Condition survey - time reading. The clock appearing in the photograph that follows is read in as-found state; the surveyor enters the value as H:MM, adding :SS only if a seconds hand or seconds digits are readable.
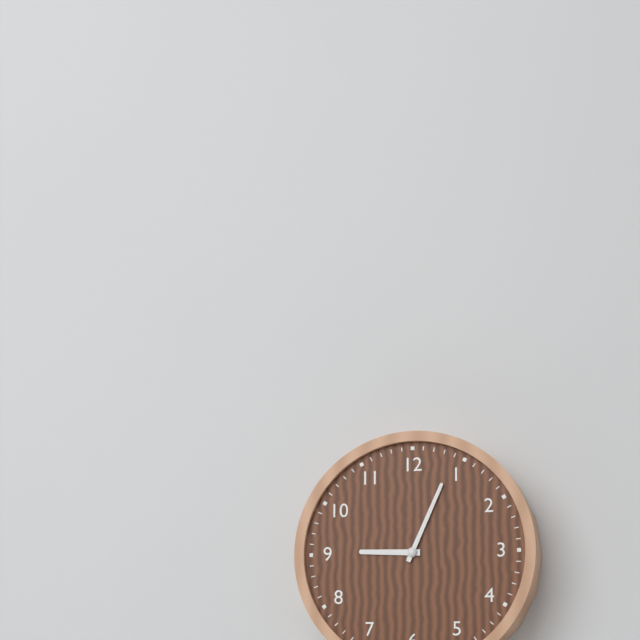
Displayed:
9:04
